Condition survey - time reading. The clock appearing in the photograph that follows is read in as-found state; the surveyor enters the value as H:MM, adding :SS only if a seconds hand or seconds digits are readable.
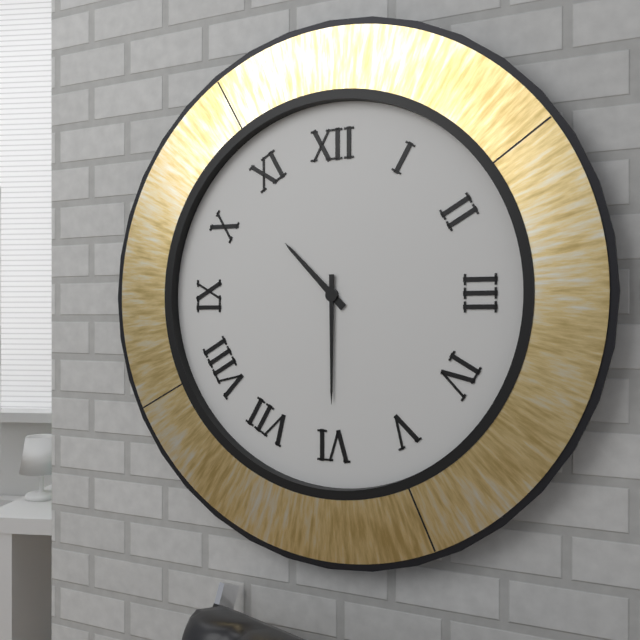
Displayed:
10:30
